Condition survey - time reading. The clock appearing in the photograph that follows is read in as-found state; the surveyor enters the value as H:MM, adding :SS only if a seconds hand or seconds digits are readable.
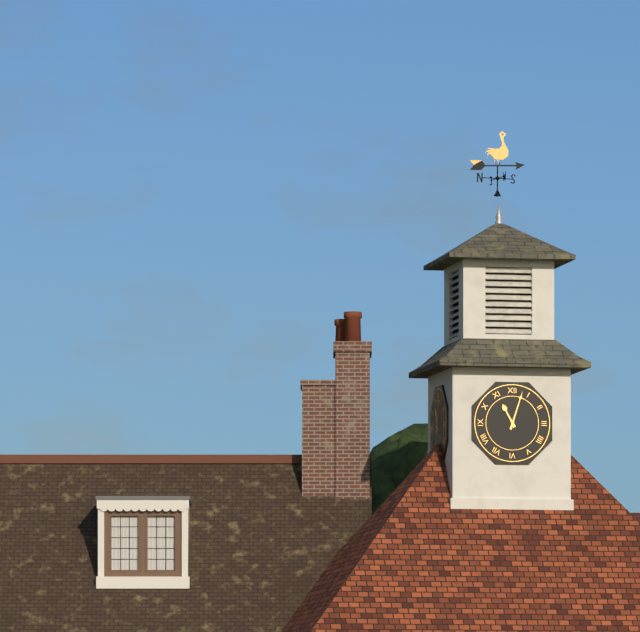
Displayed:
11:03
